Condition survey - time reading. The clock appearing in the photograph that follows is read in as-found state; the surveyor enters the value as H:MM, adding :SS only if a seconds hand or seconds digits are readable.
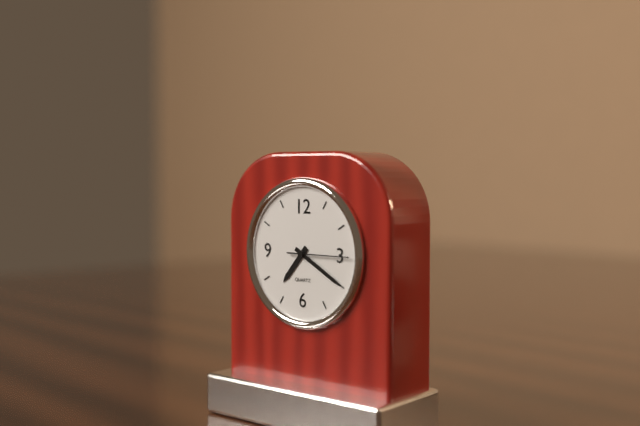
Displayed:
7:20:15
